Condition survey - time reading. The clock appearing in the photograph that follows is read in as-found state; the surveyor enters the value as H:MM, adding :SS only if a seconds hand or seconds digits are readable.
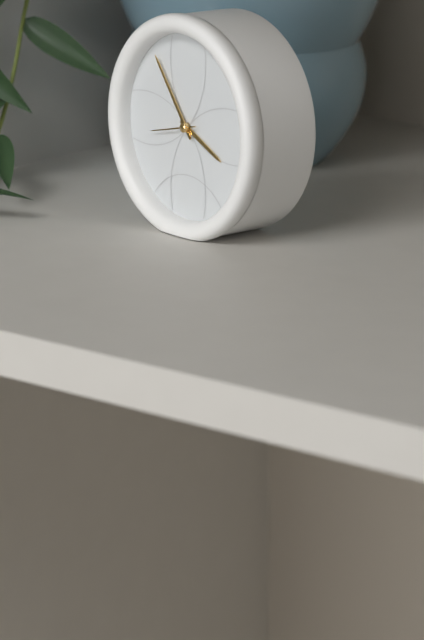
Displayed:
3:54
